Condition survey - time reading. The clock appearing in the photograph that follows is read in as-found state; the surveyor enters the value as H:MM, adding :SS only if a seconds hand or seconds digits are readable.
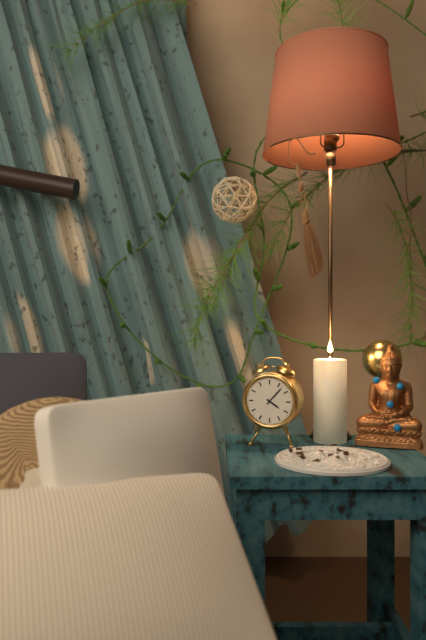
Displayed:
4:07
